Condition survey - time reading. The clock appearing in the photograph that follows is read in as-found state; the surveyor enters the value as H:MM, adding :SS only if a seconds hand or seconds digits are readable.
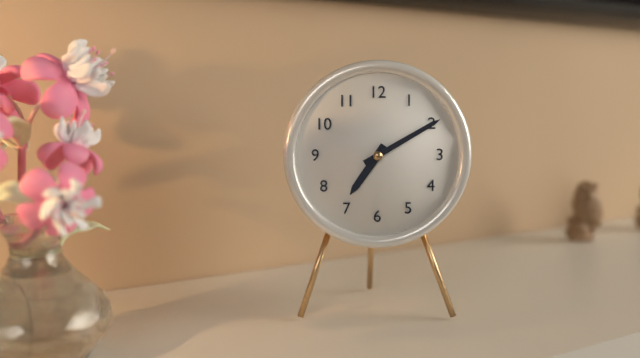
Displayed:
7:10
